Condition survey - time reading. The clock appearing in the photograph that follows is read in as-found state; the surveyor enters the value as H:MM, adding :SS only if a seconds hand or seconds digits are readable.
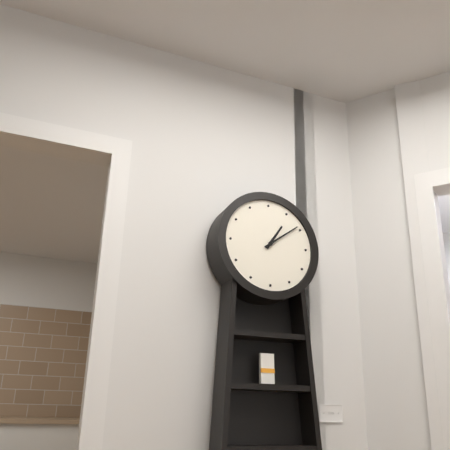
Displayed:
1:09
